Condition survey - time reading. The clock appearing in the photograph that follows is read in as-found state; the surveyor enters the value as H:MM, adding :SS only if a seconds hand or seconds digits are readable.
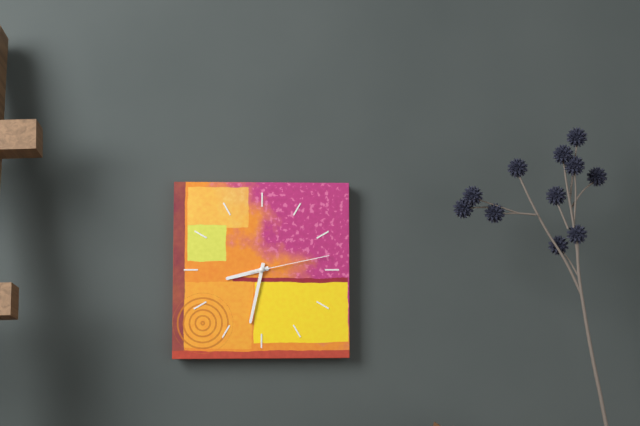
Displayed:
8:32:13
